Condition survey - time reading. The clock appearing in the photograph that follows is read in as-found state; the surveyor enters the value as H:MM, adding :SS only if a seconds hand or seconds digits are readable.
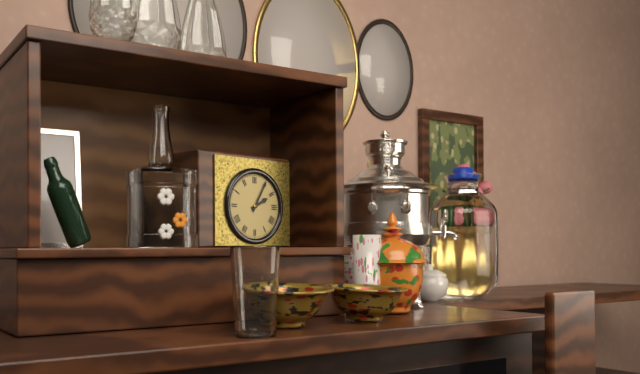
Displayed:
2:05
